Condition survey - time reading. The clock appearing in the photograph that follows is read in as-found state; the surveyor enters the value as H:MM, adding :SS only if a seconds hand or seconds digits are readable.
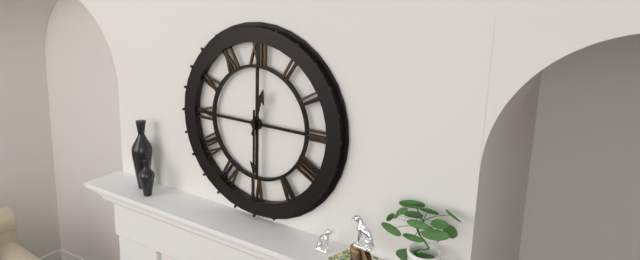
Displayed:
12:30
